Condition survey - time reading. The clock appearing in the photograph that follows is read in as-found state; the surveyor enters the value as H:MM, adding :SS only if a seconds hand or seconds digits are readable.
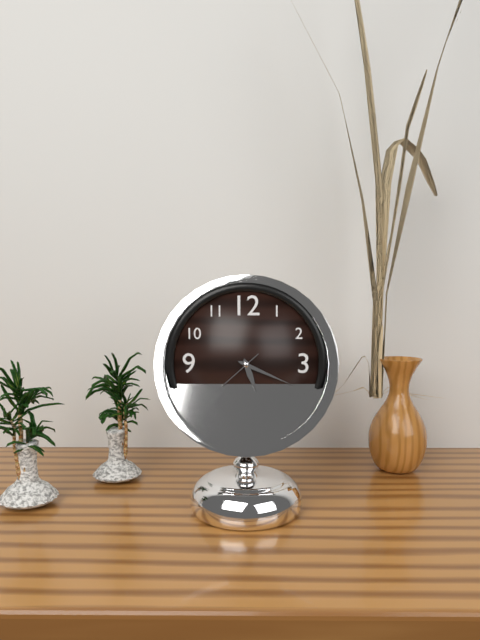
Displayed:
5:19:38
